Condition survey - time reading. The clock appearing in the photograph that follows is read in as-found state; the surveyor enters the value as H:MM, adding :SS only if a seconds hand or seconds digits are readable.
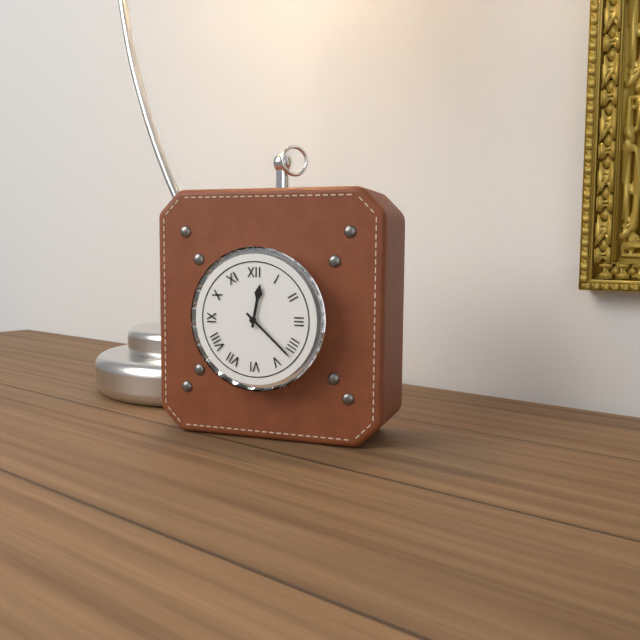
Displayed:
12:22
